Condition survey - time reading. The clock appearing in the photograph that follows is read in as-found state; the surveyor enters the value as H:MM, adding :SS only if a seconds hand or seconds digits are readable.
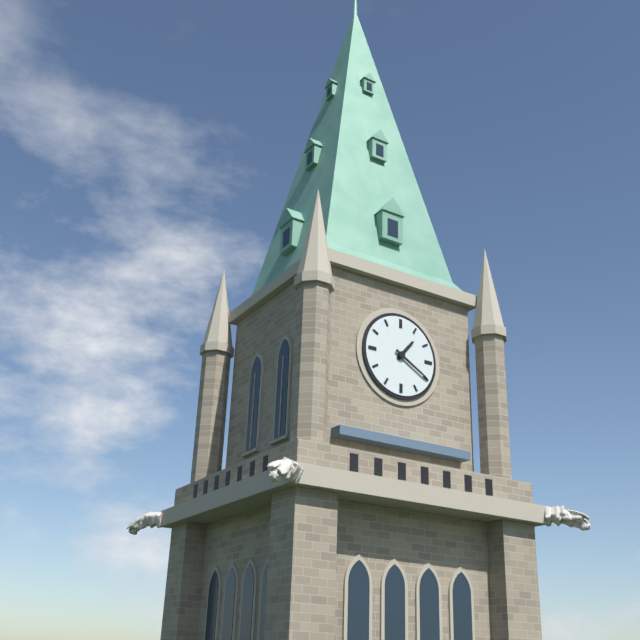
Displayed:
1:20
